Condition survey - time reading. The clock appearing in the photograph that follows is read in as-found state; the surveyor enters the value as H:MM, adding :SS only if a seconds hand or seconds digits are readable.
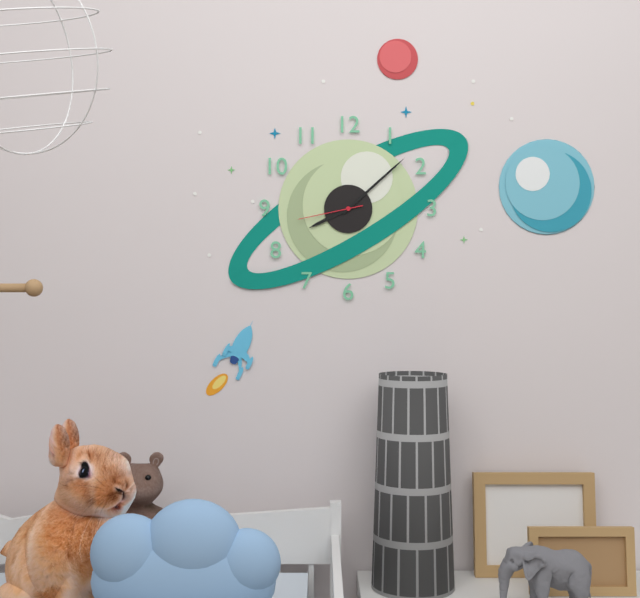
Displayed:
8:08:43
